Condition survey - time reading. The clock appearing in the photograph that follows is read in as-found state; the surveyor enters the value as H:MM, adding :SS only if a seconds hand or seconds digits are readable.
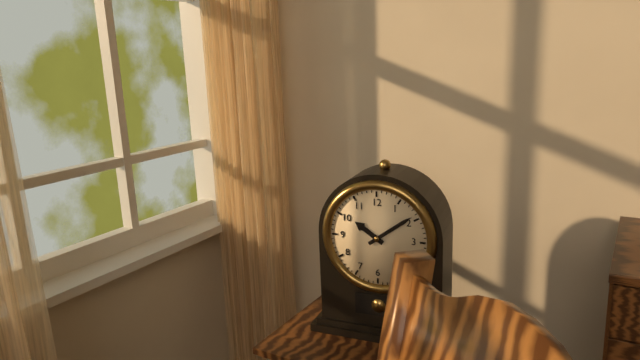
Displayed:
10:09
